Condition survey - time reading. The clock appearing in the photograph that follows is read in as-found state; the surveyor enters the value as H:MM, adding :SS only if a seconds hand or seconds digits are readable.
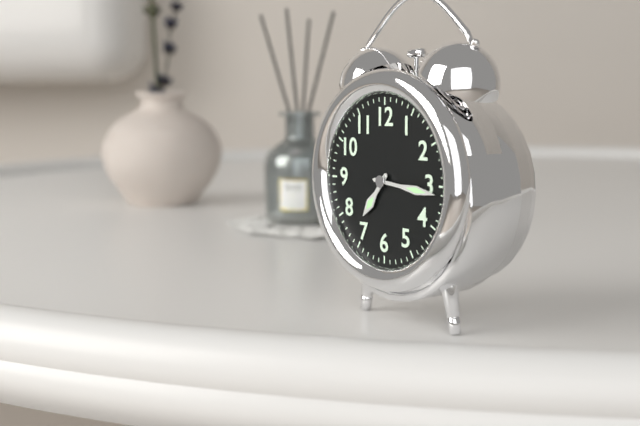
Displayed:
7:16
